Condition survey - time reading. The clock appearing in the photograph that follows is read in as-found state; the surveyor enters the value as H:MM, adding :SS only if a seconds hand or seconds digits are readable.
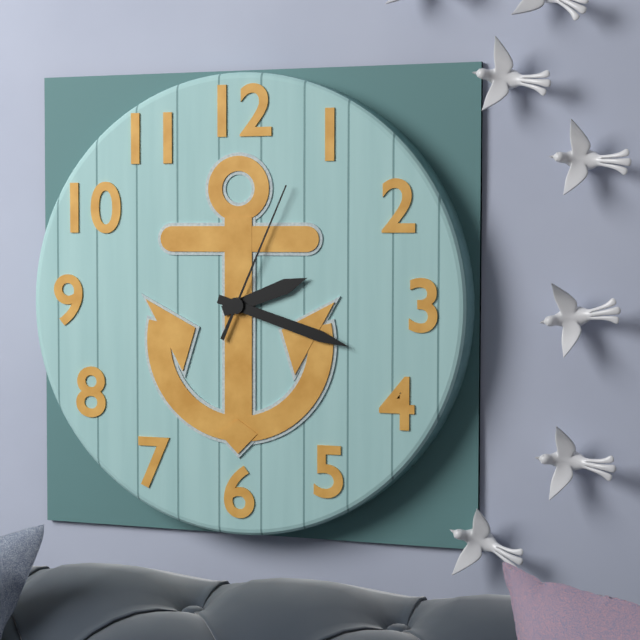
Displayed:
2:18:04
